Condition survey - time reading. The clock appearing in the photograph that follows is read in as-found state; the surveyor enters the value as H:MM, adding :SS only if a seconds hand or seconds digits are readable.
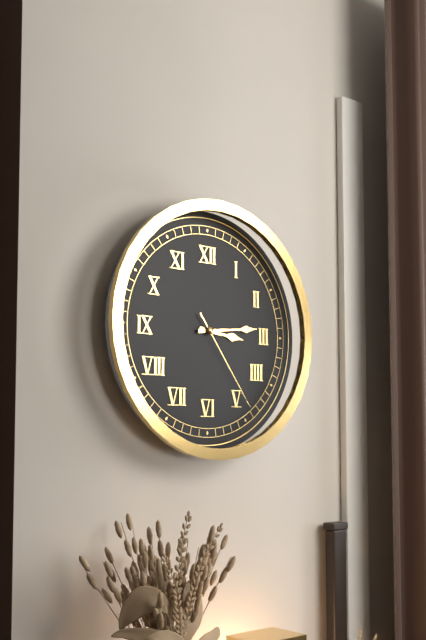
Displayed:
3:14:24
